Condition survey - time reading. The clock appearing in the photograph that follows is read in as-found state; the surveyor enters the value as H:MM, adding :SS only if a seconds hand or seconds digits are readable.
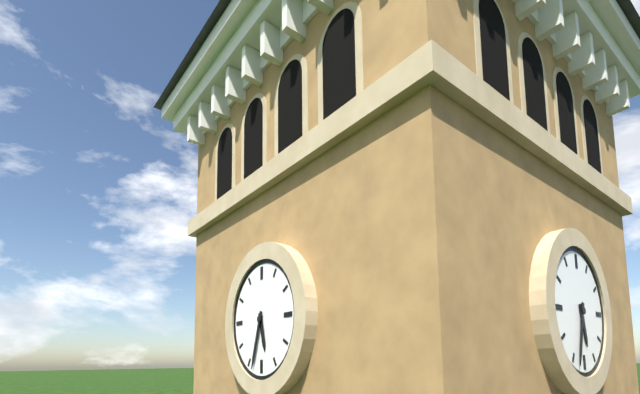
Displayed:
5:33
